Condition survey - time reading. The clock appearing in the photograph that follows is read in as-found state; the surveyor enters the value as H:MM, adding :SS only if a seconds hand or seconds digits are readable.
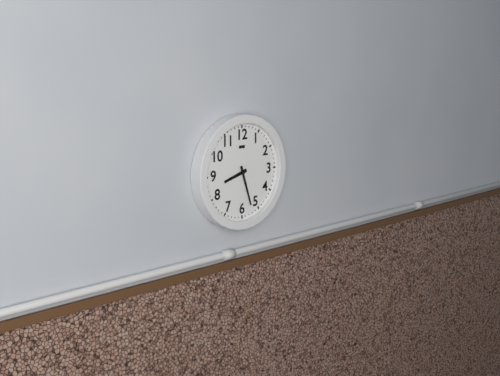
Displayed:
8:27
